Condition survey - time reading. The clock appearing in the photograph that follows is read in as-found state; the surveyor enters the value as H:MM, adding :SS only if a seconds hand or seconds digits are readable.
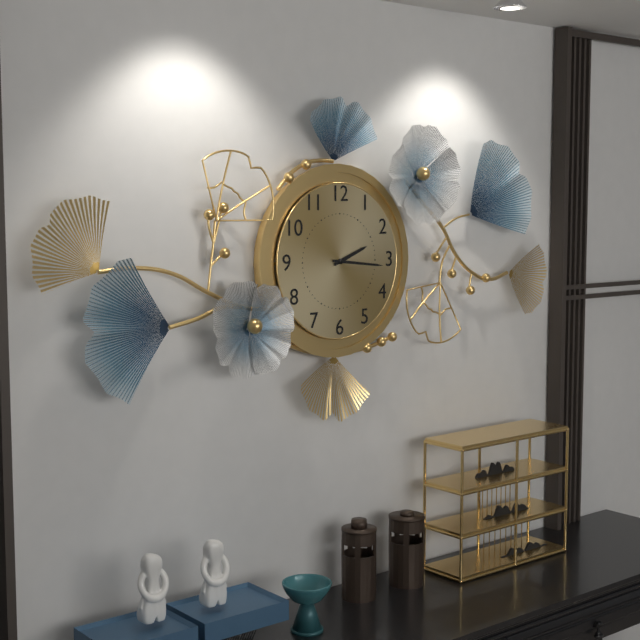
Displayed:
2:16
